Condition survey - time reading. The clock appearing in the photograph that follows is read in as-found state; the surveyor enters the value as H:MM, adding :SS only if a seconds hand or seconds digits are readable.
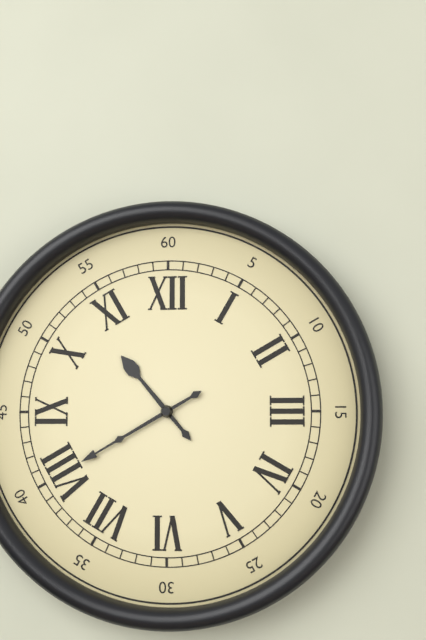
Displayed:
10:40
